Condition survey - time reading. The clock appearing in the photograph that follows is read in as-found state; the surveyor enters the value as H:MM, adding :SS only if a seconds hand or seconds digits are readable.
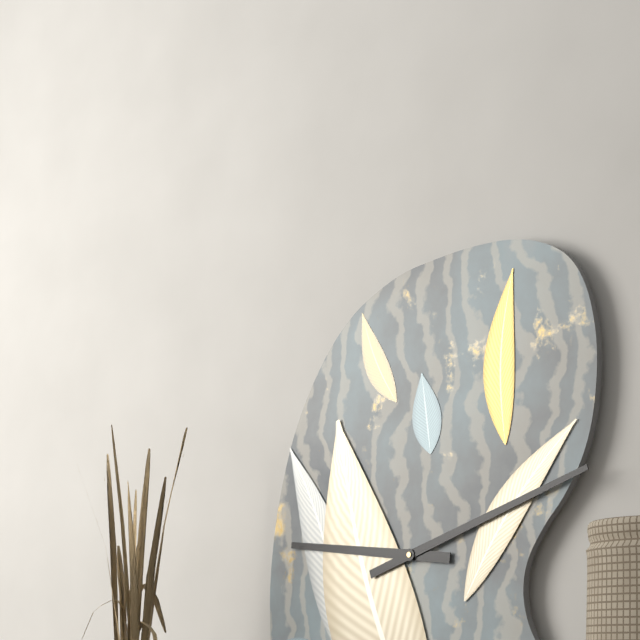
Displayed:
9:12
